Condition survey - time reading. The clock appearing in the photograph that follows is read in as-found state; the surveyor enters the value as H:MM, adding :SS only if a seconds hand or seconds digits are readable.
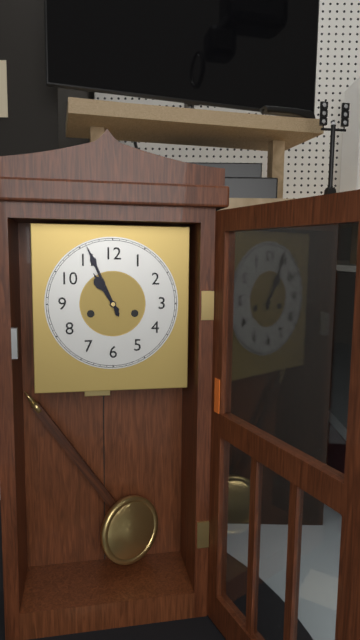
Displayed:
10:56
